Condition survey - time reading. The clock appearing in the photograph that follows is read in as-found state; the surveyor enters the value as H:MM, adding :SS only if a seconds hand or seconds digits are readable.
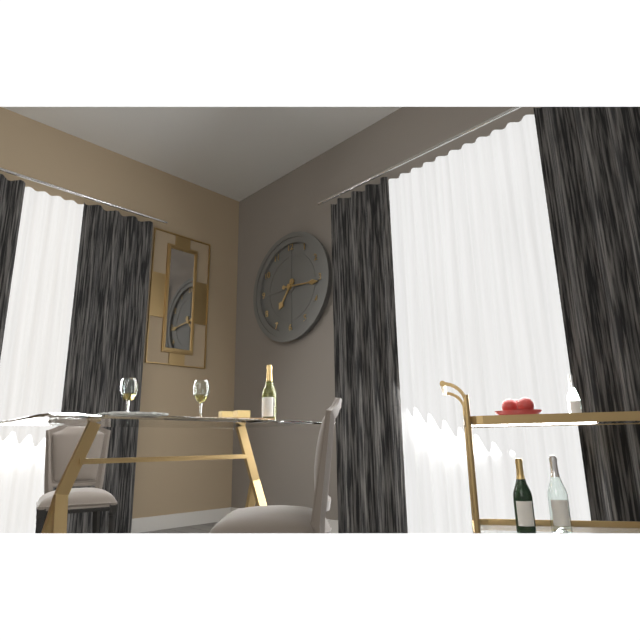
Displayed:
7:16
